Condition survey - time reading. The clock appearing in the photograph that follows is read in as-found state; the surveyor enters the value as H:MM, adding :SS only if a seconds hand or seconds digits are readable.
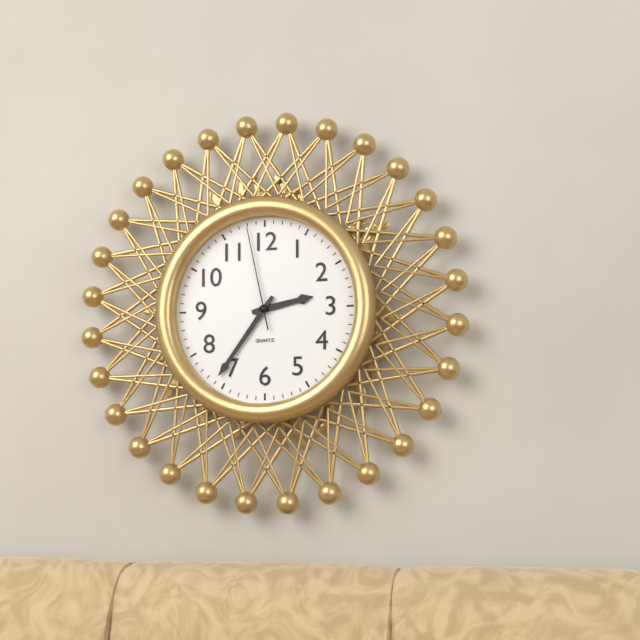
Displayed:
2:36:58
